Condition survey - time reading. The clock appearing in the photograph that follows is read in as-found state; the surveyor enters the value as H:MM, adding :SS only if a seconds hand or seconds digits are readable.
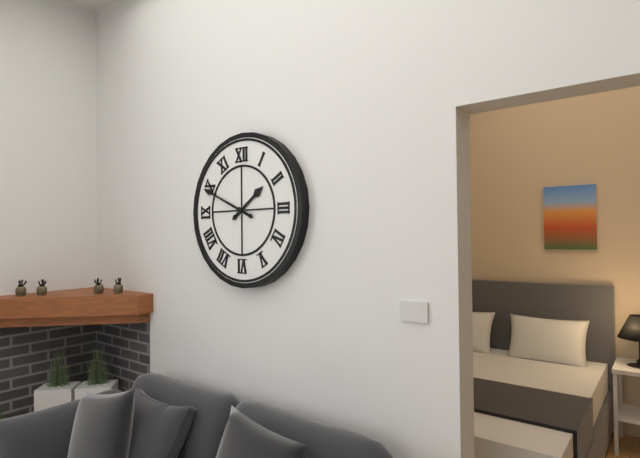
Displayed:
1:49
